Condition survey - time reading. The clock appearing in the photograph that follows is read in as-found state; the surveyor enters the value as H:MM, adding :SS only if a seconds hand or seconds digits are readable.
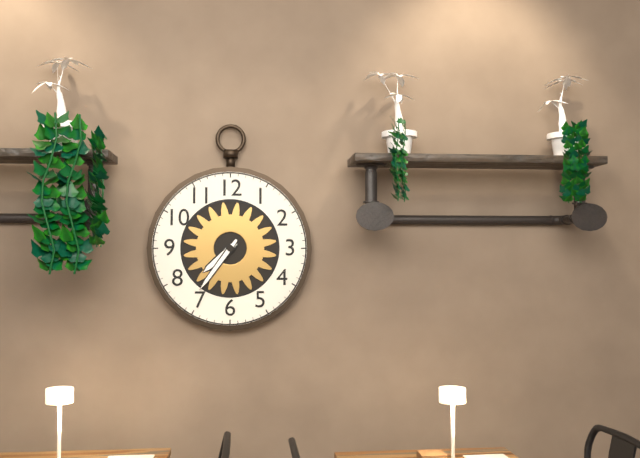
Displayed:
7:36
